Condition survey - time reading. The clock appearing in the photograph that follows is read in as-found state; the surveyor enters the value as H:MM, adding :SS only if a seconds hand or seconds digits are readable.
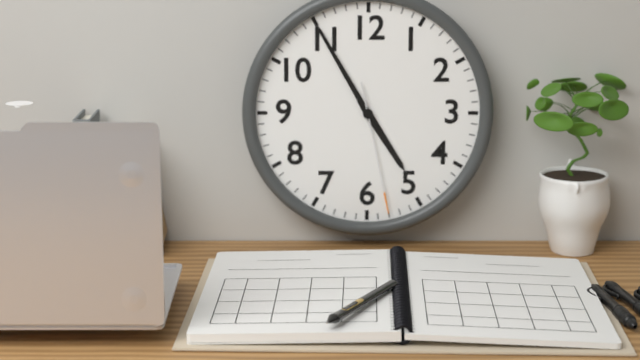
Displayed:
4:55:28
